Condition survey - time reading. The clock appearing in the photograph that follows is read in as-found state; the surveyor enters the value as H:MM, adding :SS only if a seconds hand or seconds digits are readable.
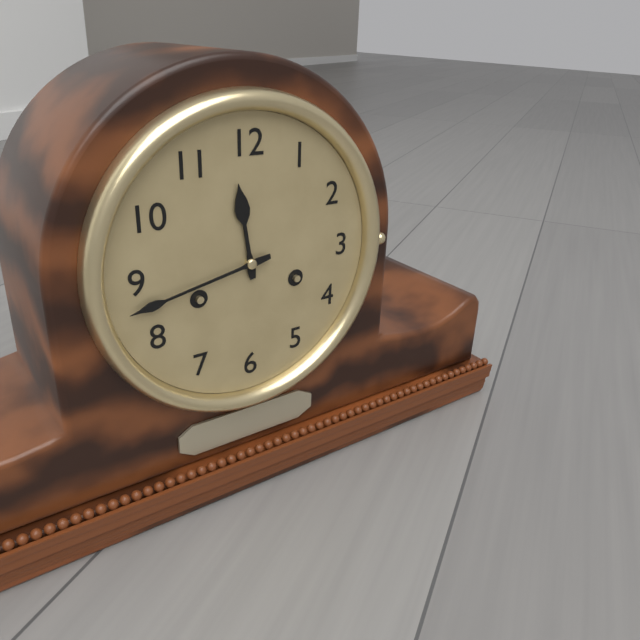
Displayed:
11:43
